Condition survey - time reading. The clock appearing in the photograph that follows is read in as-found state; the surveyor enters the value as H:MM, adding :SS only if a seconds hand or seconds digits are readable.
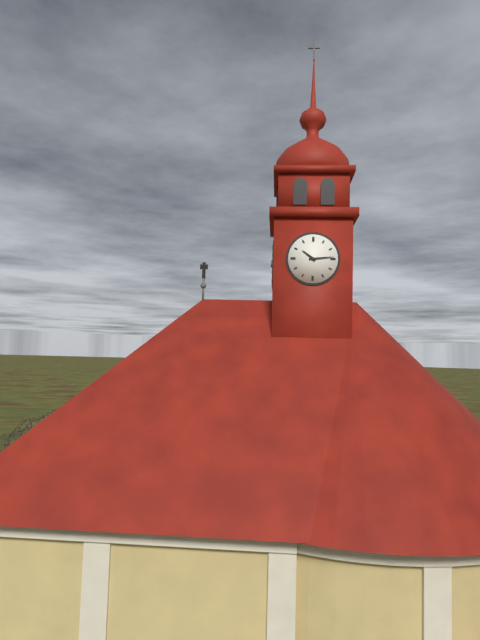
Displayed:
10:14
